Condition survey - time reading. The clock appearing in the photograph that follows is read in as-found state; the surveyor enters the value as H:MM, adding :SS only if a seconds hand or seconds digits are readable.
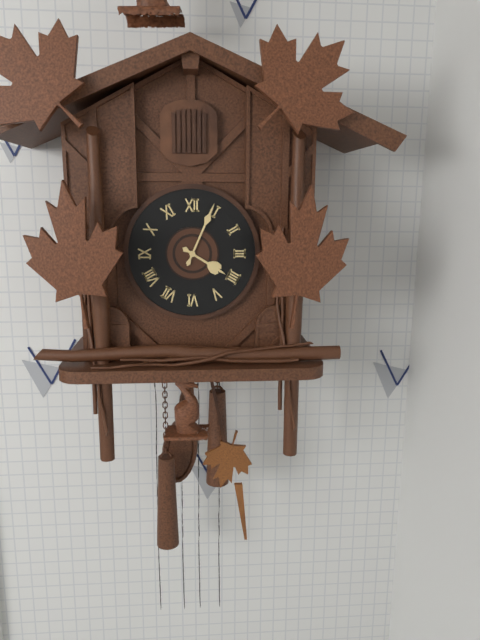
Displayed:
4:04
